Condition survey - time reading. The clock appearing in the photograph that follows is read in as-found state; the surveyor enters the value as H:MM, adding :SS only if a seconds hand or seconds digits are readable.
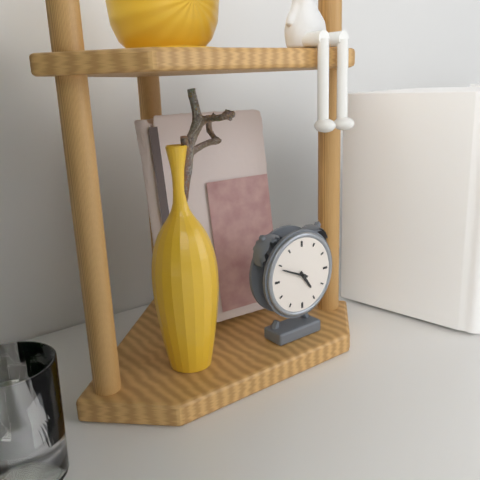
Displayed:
4:49
